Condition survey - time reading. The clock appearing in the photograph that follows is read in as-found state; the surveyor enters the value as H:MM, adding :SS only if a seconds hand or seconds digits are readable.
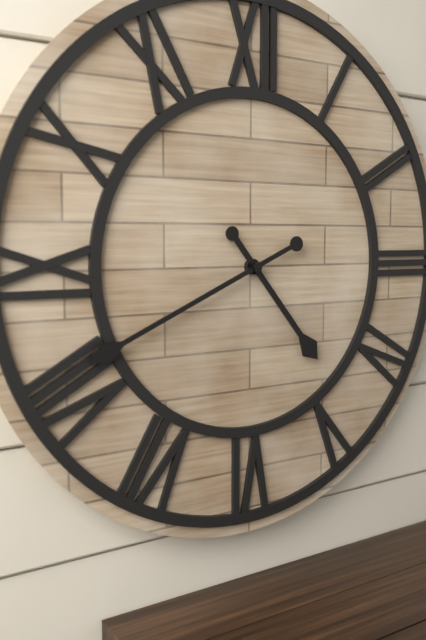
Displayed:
4:41
